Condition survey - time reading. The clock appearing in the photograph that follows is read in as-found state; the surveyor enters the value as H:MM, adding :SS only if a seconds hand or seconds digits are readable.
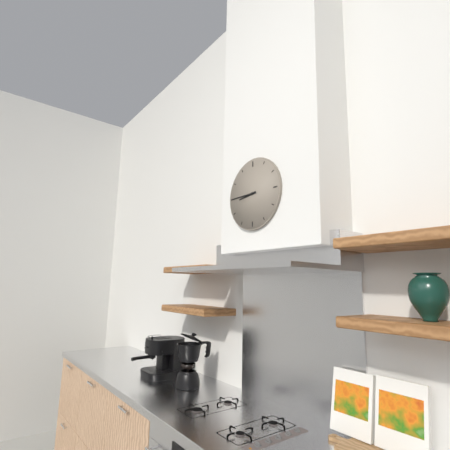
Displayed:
8:45
